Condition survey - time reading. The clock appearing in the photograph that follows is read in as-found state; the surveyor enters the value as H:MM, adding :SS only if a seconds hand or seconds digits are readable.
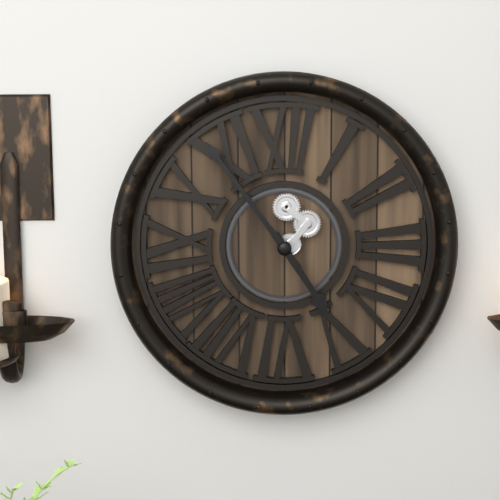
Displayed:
4:54
